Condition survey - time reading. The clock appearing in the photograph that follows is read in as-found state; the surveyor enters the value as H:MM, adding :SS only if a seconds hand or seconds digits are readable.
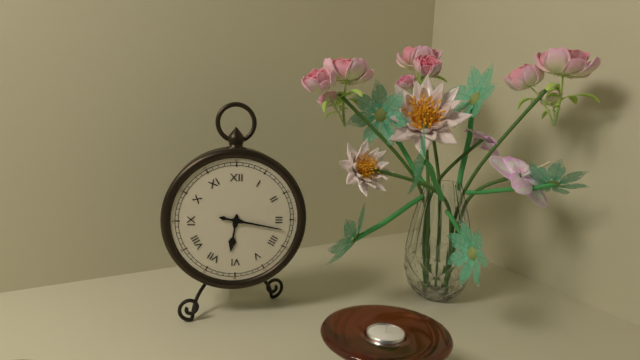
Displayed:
6:17
